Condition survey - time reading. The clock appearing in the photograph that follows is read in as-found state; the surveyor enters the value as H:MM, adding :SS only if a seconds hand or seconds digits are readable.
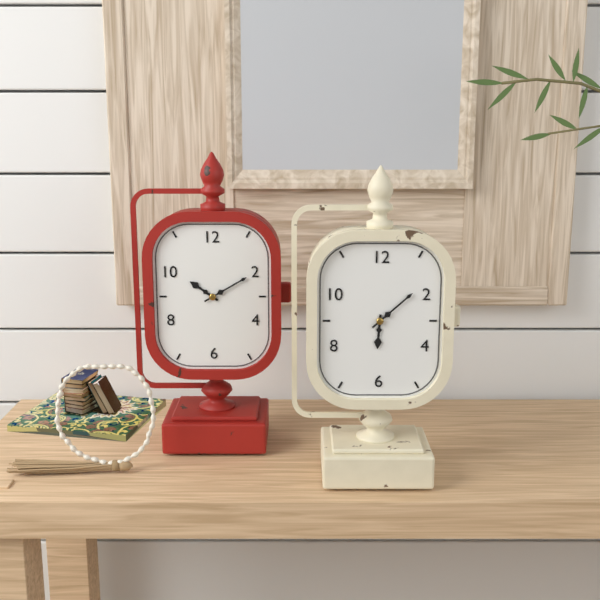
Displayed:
6:08
